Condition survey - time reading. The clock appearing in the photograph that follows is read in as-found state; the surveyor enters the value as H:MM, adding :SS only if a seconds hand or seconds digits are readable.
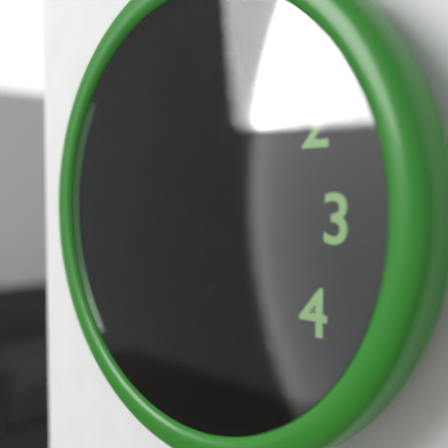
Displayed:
7:47:36
